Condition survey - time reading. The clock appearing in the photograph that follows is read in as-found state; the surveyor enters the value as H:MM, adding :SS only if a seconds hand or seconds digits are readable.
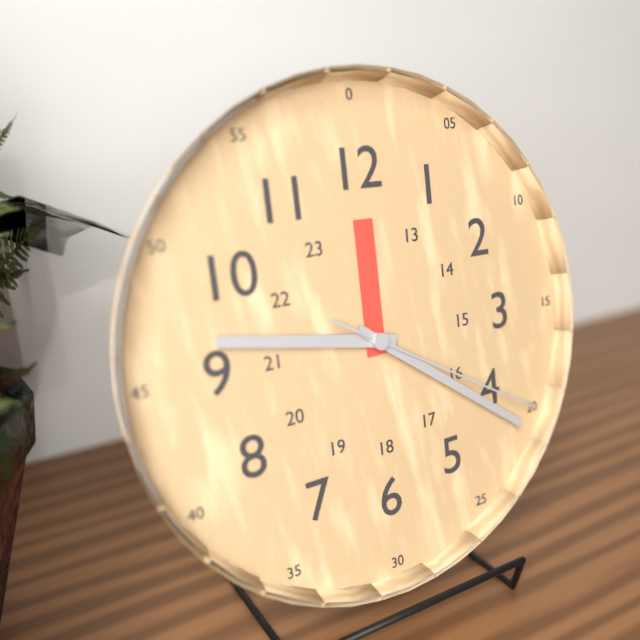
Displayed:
9:21:20
